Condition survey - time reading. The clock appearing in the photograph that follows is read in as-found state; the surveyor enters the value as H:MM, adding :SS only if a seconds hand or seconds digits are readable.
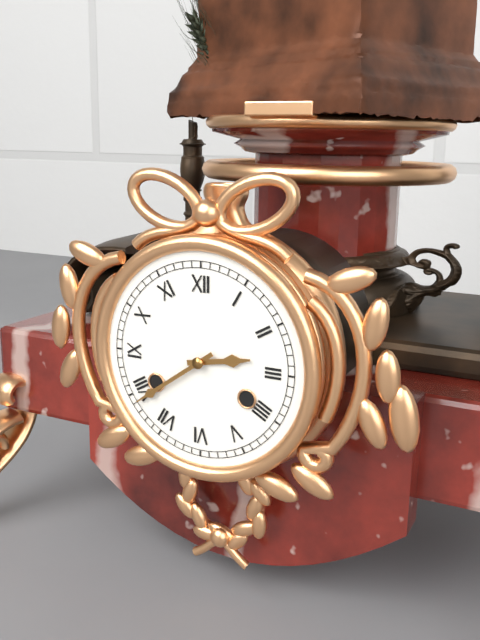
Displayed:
2:39
